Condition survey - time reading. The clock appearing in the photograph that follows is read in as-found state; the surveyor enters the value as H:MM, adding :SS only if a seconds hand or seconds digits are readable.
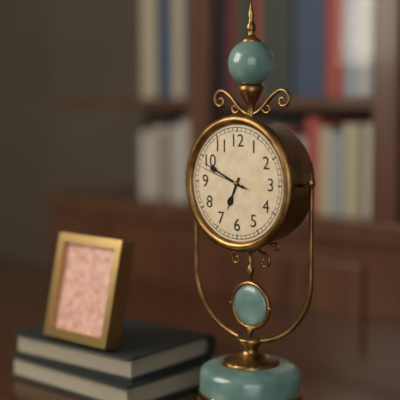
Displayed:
6:49:48
